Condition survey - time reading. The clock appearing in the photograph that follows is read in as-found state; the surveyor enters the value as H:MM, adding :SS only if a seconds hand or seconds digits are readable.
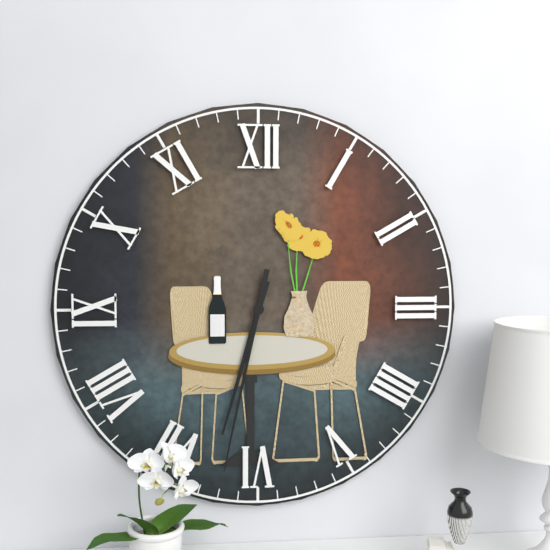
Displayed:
6:32
